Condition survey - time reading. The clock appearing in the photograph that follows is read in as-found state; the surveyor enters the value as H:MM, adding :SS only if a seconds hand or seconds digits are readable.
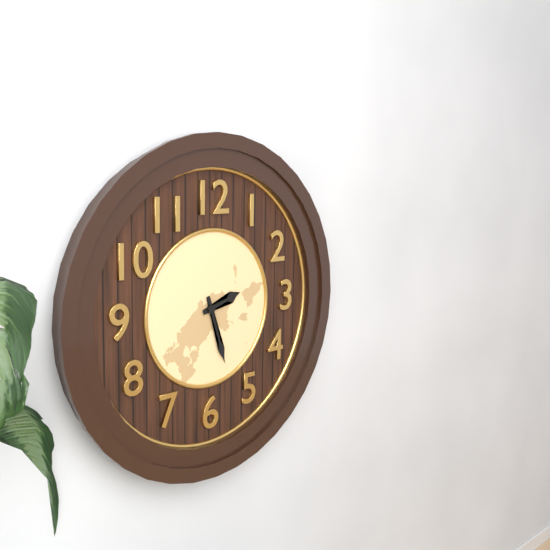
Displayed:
2:27
